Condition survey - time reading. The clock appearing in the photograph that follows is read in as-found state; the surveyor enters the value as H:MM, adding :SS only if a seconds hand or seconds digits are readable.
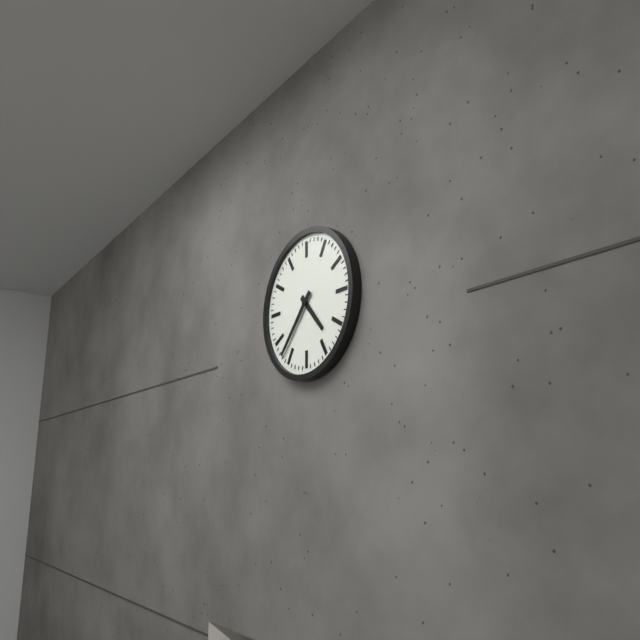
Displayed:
4:37
